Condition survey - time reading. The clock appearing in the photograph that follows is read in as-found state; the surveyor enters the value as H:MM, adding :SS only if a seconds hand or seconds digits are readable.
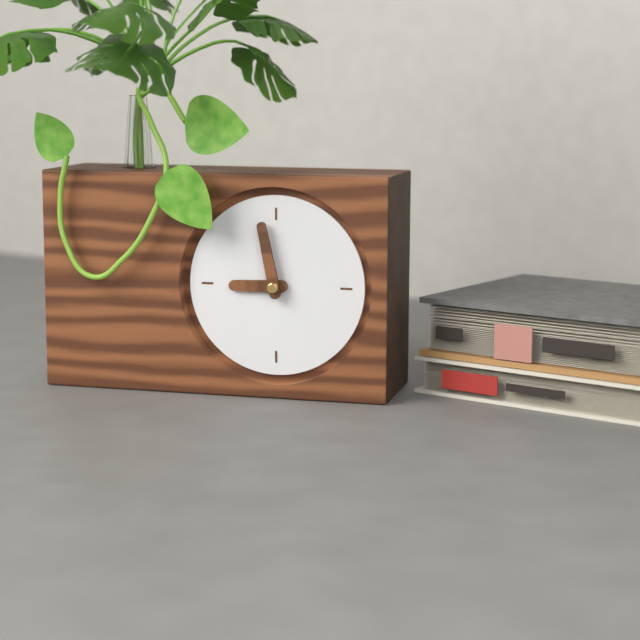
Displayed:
8:58
